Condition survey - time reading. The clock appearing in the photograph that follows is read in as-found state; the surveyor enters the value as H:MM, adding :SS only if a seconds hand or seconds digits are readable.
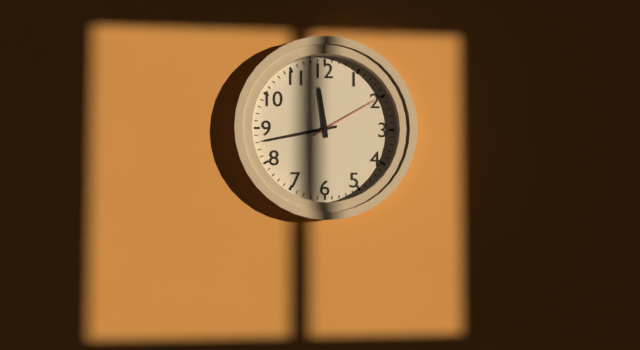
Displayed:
11:43:10
